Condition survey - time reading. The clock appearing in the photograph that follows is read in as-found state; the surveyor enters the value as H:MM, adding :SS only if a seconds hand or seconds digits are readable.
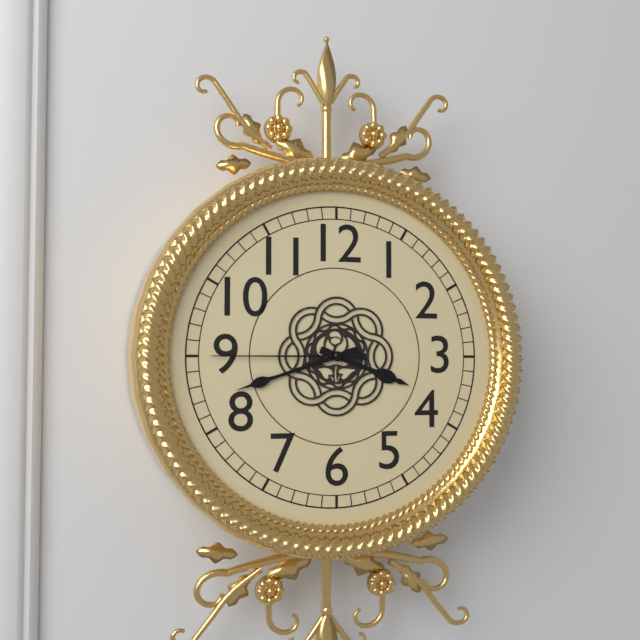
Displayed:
3:42:45
